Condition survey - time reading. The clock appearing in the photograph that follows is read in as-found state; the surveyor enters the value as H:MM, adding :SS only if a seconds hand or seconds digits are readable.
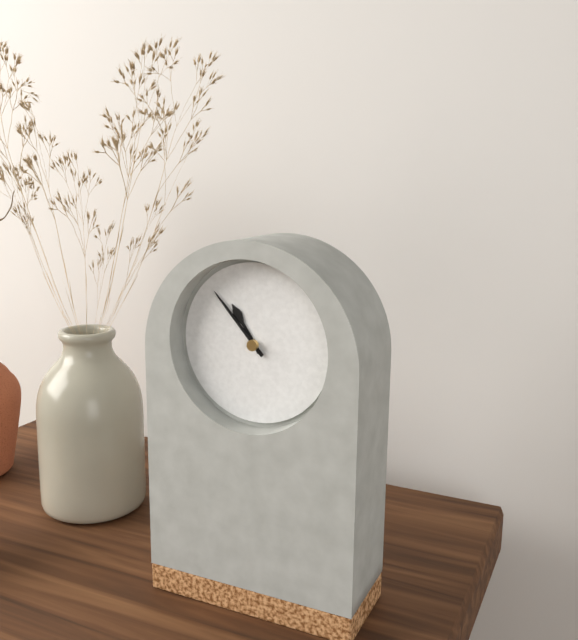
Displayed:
10:53
